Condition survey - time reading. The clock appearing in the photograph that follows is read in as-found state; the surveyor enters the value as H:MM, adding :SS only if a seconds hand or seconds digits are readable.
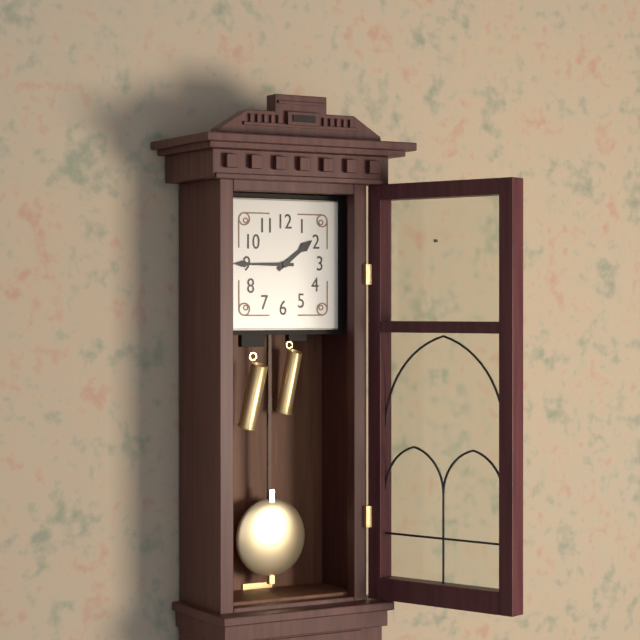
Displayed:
1:45
